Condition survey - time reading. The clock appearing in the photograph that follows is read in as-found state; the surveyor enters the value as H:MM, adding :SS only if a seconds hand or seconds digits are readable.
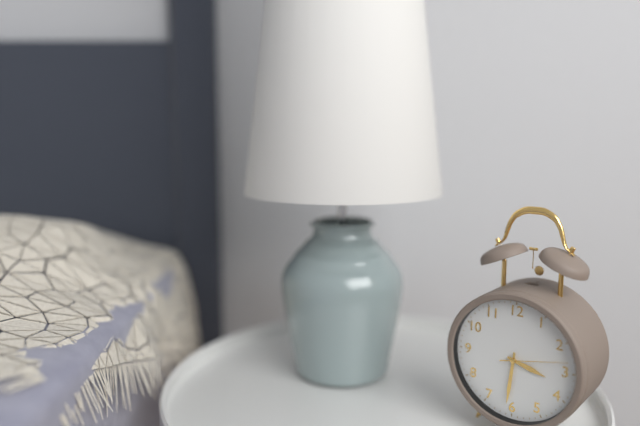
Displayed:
3:31:13
